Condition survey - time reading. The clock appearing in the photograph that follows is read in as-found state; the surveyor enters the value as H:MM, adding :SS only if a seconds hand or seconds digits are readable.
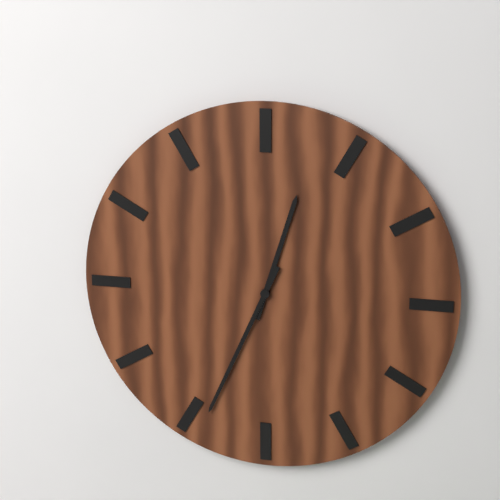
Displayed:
12:34
